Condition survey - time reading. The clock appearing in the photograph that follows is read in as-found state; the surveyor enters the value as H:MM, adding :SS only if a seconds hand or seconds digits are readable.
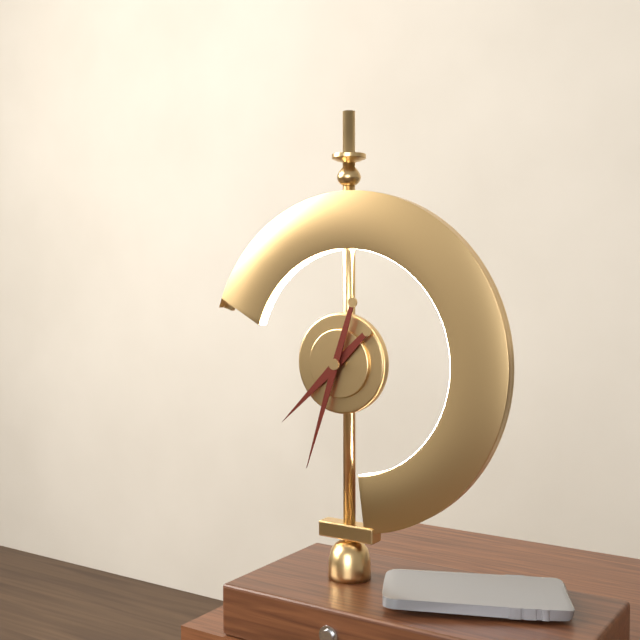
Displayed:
7:33
